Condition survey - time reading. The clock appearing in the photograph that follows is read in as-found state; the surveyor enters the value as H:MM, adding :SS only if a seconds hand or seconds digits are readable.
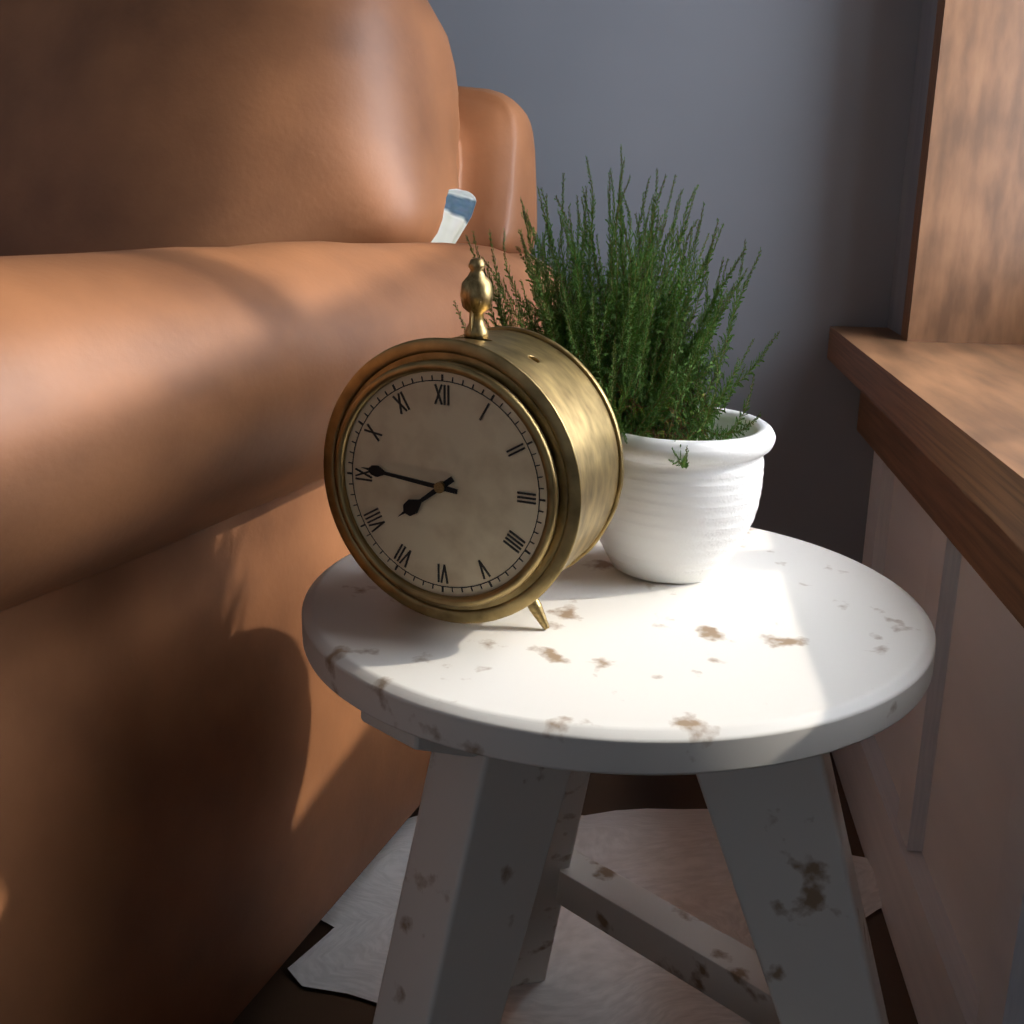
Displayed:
7:46
